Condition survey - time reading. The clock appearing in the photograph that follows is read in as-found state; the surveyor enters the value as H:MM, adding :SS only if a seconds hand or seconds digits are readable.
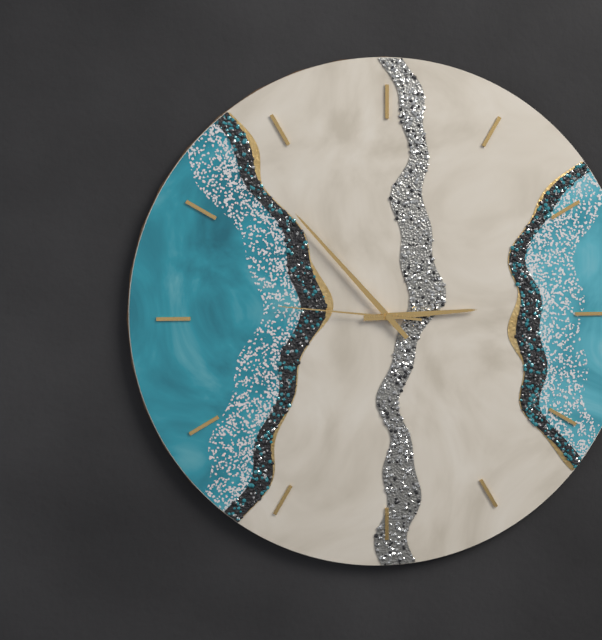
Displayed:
2:53:46
